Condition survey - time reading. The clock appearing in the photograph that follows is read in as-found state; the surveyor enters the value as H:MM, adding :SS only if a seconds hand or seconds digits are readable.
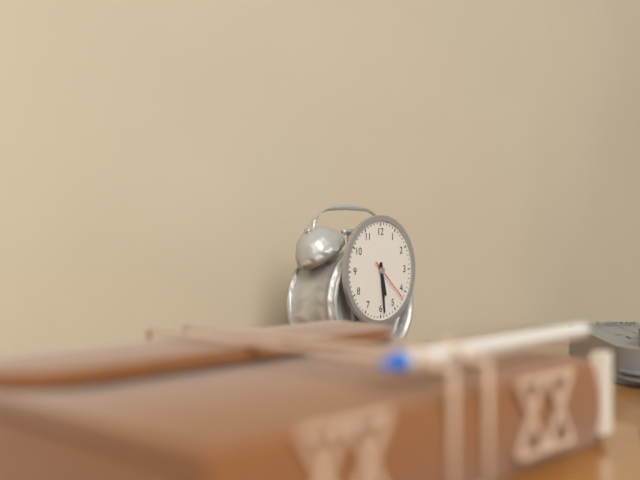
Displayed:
5:29
